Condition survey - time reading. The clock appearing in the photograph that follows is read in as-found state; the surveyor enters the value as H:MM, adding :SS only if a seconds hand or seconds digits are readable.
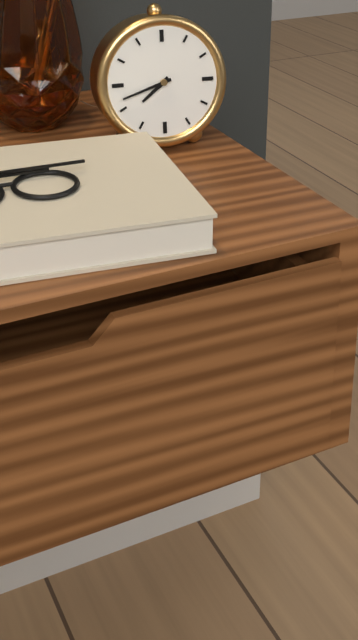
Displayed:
7:42
